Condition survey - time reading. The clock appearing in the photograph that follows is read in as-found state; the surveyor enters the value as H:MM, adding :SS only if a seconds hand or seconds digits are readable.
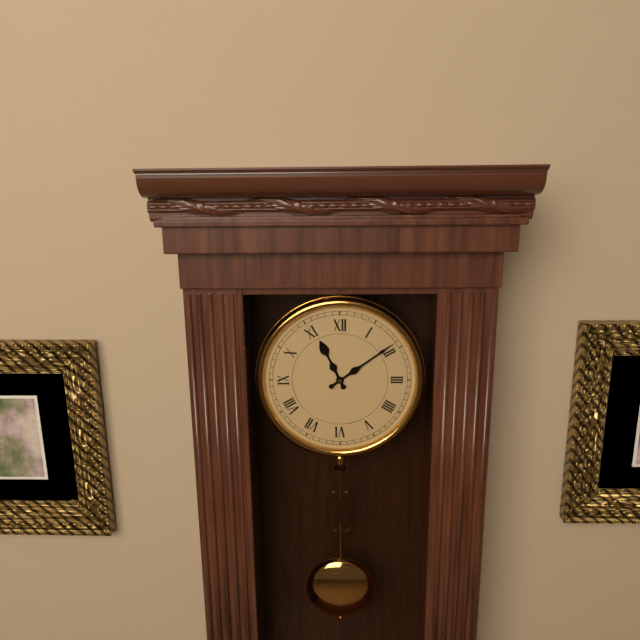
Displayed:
11:09
